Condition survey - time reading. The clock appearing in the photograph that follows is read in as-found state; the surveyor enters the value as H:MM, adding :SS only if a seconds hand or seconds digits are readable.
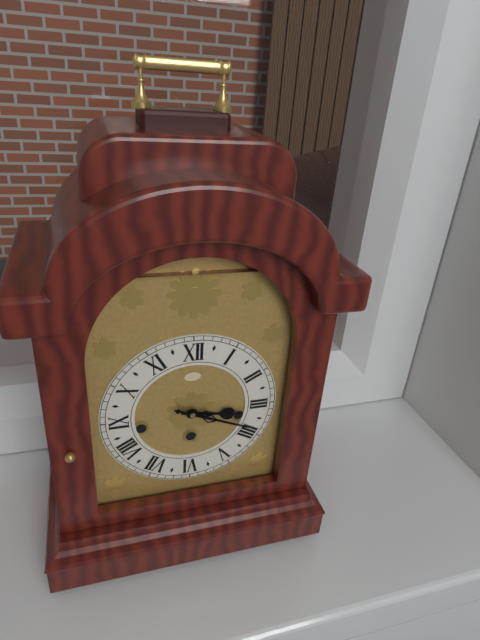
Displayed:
3:19
